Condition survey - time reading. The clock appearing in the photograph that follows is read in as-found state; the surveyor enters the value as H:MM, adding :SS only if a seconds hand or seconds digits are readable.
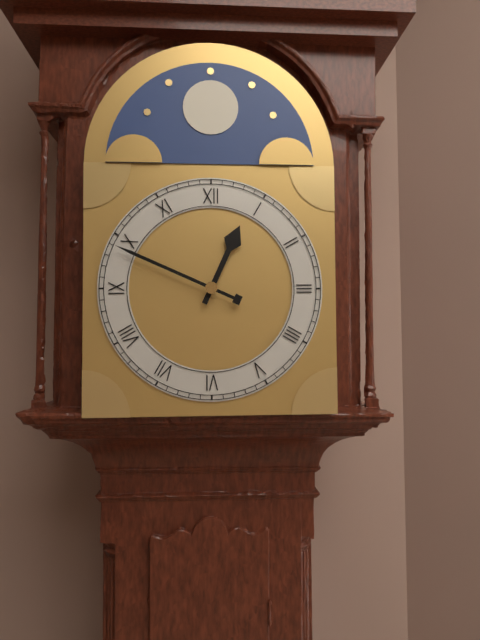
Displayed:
12:49
